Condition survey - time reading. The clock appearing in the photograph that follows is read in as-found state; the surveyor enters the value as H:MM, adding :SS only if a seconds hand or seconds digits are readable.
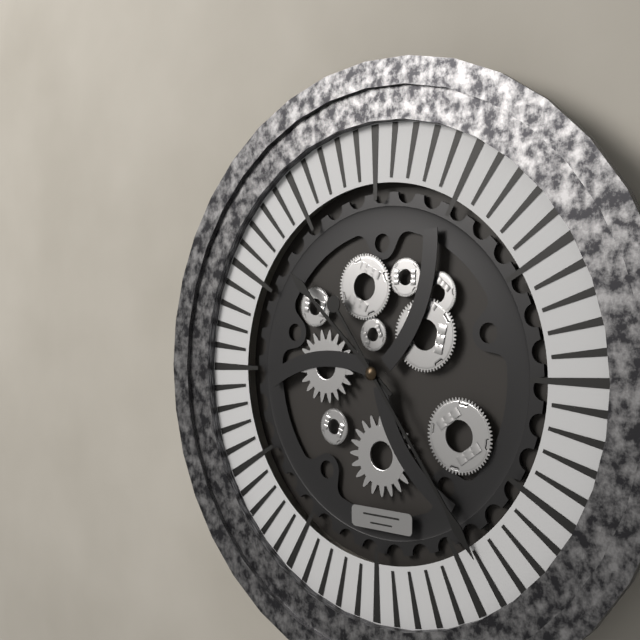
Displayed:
10:24
